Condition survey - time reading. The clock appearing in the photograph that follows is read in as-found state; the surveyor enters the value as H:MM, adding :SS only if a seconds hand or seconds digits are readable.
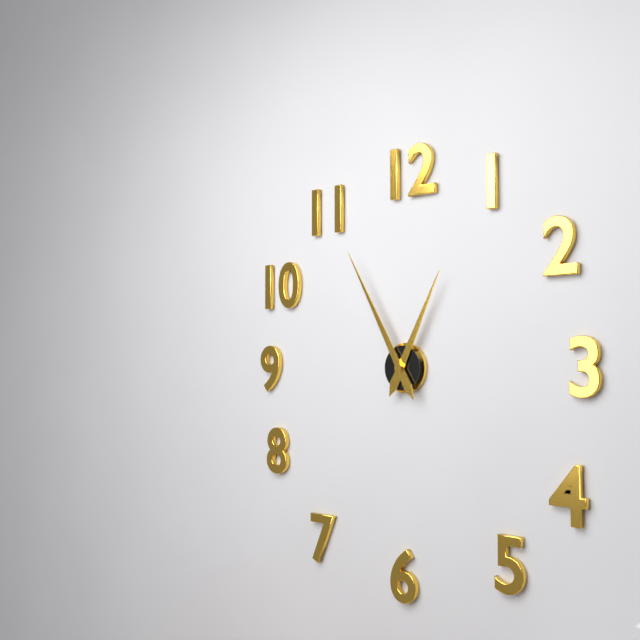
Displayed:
12:55
